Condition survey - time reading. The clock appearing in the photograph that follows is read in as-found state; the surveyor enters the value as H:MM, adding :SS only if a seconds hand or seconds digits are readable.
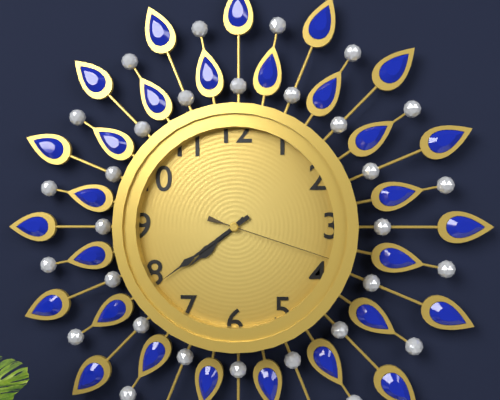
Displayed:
7:39:18
